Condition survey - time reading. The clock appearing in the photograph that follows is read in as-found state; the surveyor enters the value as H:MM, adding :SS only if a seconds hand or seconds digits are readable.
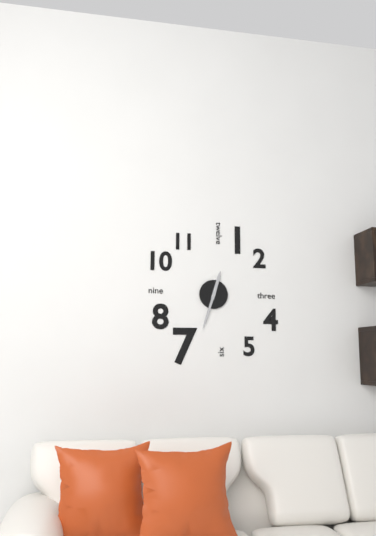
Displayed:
12:33
